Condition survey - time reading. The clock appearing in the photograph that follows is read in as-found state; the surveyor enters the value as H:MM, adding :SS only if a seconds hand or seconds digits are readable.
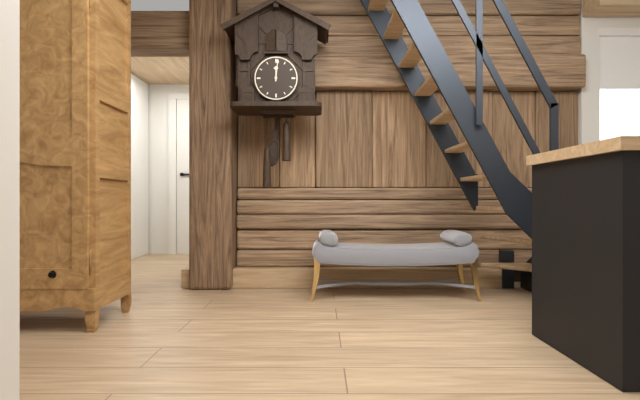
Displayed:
12:01
